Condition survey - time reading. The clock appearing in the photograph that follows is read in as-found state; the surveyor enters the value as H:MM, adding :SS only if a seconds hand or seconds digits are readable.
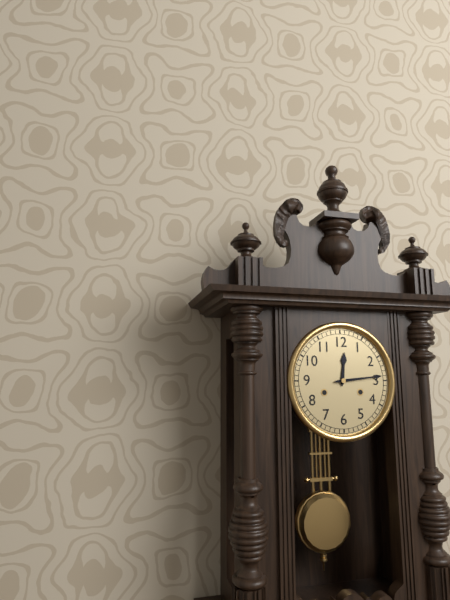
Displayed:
12:14
